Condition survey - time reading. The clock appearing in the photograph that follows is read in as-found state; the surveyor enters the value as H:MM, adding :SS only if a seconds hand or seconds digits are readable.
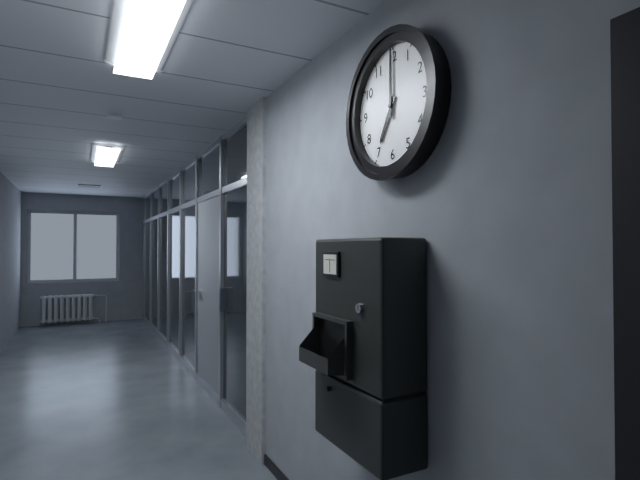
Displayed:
7:00
